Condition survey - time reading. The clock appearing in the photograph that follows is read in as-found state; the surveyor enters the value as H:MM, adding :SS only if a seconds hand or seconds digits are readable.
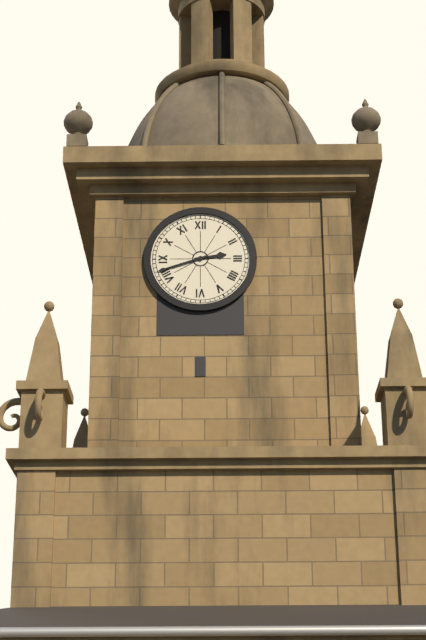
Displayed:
2:42
